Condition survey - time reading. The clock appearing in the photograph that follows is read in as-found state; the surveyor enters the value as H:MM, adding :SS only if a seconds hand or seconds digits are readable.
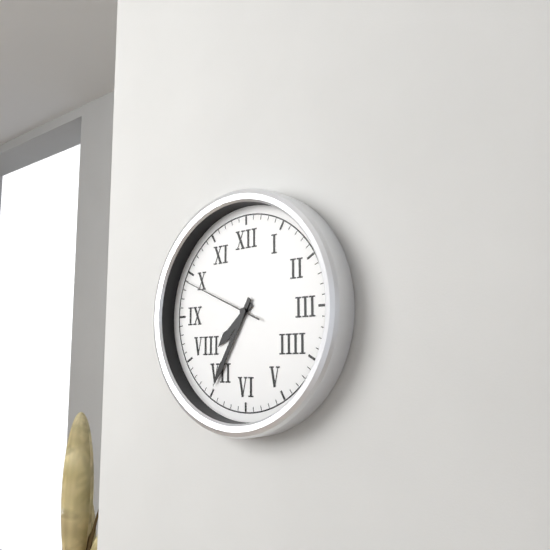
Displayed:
7:35:49
